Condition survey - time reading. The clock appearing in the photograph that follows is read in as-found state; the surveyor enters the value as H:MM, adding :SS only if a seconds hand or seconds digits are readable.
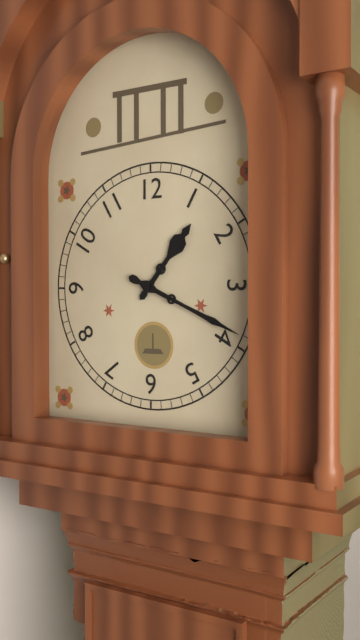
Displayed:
1:19
